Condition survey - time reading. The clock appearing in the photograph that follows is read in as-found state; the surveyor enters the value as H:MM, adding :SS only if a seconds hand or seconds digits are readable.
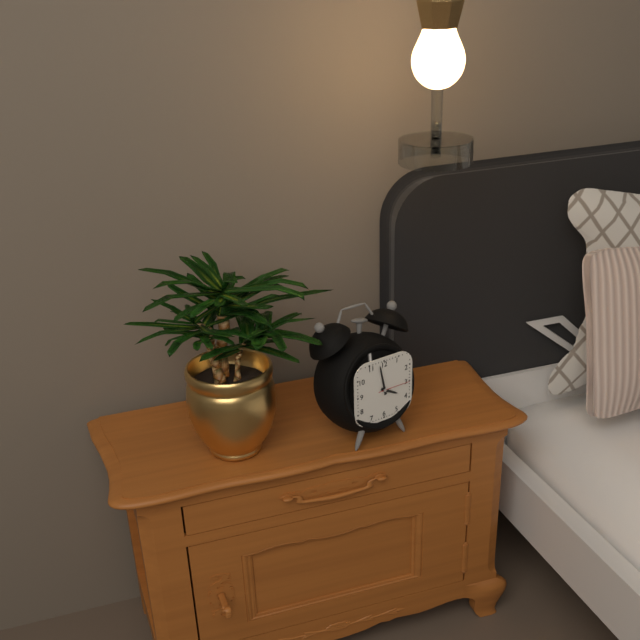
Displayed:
3:58
